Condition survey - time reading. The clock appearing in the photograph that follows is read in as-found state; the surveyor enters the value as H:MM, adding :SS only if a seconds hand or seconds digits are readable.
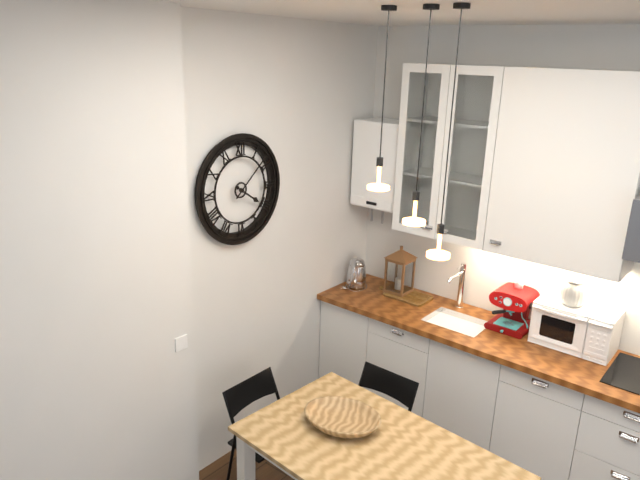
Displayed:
4:08
